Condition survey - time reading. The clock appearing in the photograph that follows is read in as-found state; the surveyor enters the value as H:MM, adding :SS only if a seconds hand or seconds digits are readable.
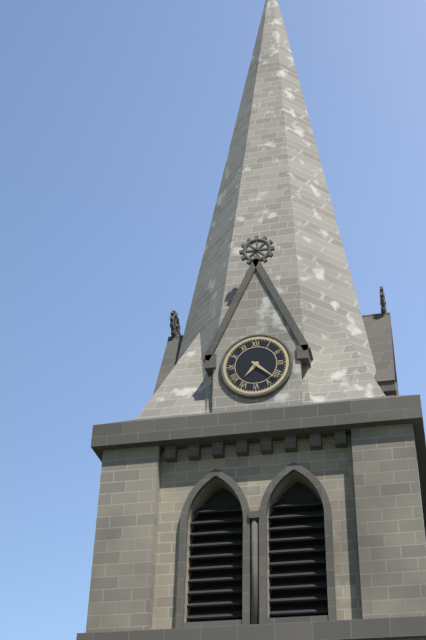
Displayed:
7:22
